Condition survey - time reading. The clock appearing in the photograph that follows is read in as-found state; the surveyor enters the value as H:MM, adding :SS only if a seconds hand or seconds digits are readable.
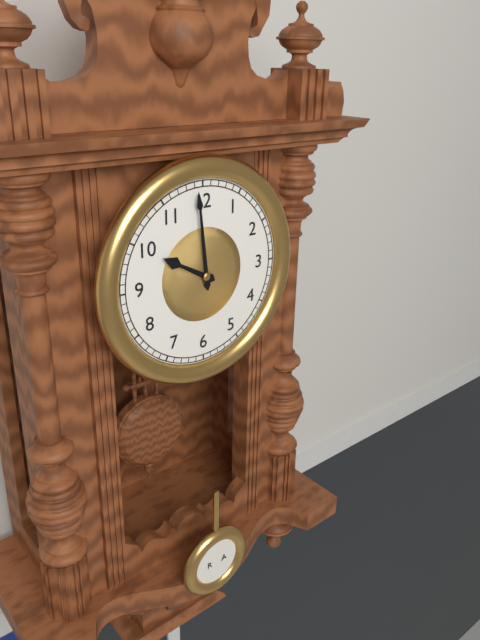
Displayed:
9:59
